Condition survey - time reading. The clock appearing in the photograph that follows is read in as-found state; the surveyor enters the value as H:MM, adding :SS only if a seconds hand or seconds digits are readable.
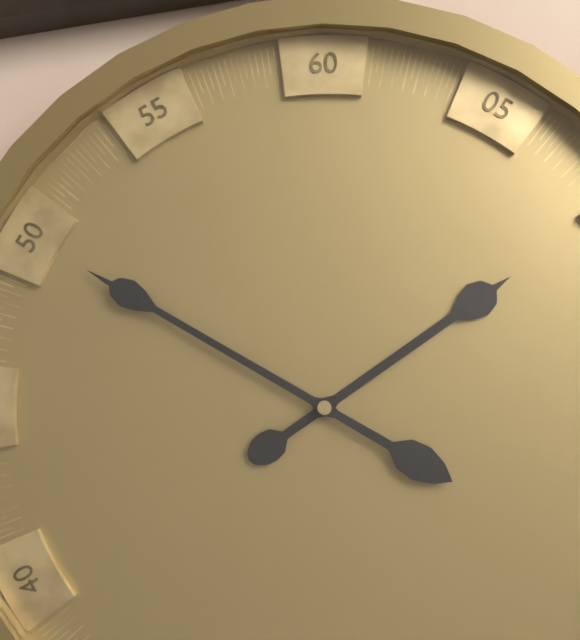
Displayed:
1:50
